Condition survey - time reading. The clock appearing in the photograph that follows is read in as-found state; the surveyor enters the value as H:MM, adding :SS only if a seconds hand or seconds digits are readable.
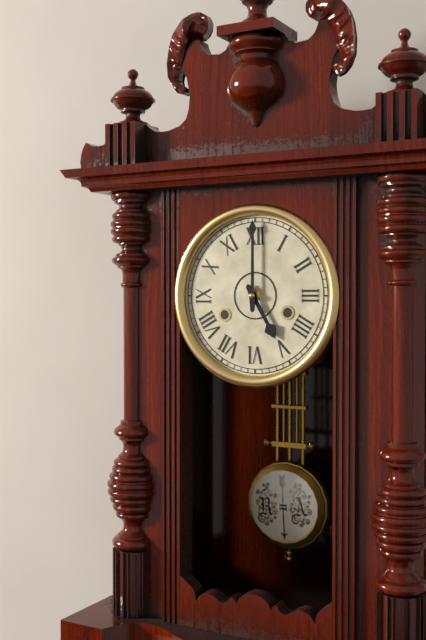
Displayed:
5:00
